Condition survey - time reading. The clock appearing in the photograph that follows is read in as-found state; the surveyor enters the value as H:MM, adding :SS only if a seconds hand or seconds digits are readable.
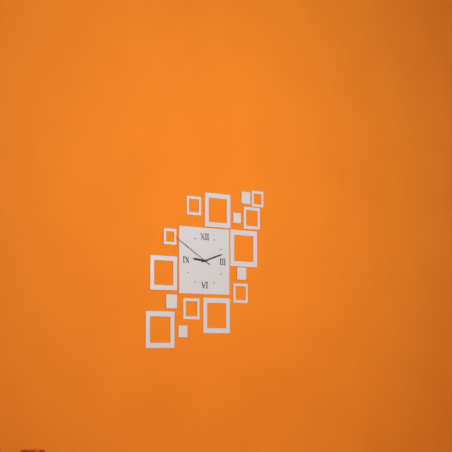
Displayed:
9:12:50
